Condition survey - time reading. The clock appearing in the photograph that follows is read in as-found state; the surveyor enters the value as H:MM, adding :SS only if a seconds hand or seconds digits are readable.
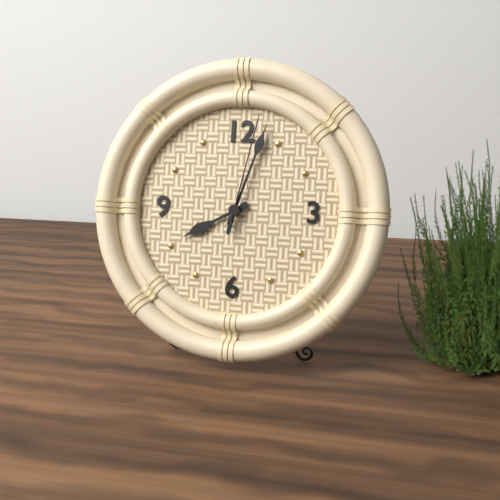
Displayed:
8:03:02
